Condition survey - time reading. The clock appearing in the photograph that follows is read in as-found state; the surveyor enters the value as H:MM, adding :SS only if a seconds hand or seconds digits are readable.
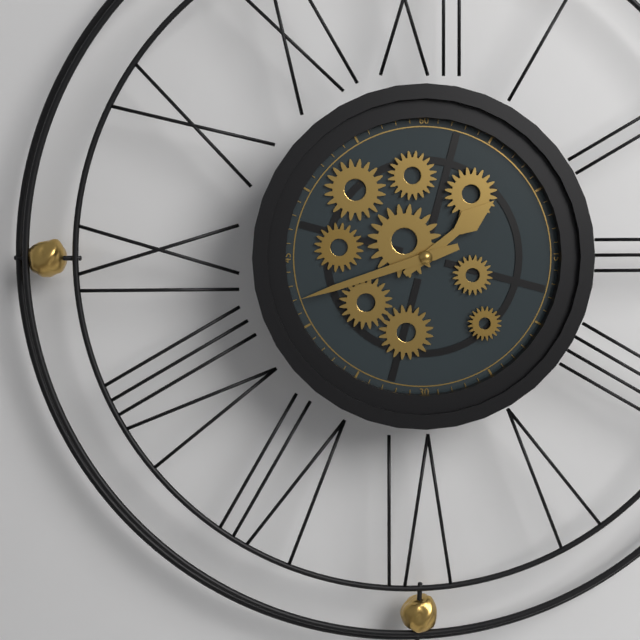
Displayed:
1:42
